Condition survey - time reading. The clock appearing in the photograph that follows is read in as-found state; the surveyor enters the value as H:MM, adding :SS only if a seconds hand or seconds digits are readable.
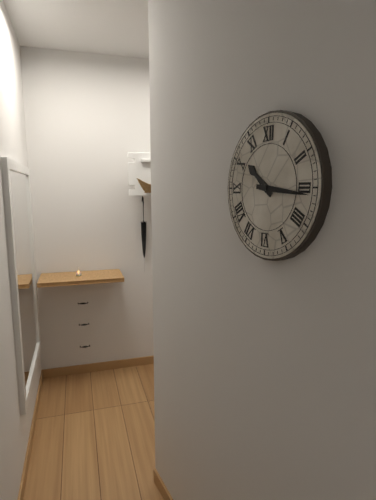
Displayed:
10:16
